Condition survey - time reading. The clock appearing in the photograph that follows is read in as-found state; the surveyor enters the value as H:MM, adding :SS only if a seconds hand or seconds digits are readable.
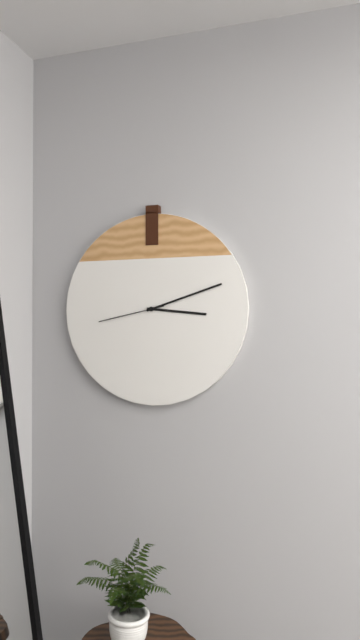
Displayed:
3:12:43
